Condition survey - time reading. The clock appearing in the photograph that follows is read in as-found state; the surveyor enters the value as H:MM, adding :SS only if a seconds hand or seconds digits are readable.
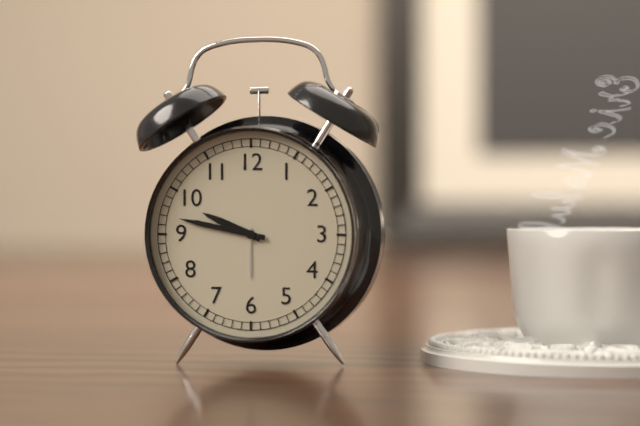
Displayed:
9:47
